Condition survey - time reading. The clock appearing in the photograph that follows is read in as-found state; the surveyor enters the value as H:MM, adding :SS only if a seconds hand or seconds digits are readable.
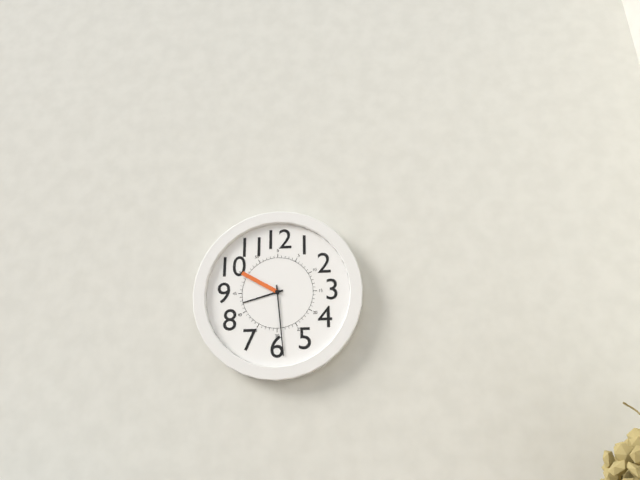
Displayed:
8:29:50
